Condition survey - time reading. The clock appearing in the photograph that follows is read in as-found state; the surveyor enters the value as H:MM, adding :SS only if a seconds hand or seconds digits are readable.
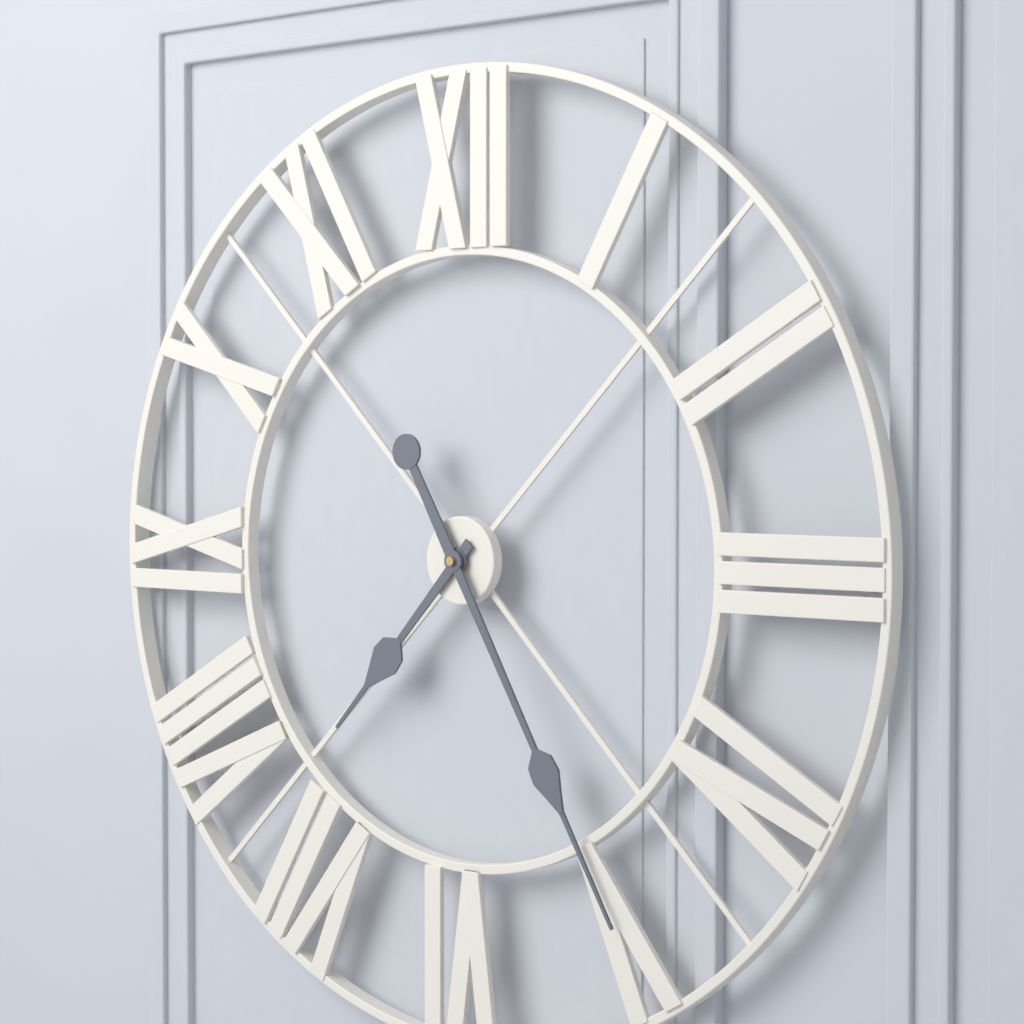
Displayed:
7:25
